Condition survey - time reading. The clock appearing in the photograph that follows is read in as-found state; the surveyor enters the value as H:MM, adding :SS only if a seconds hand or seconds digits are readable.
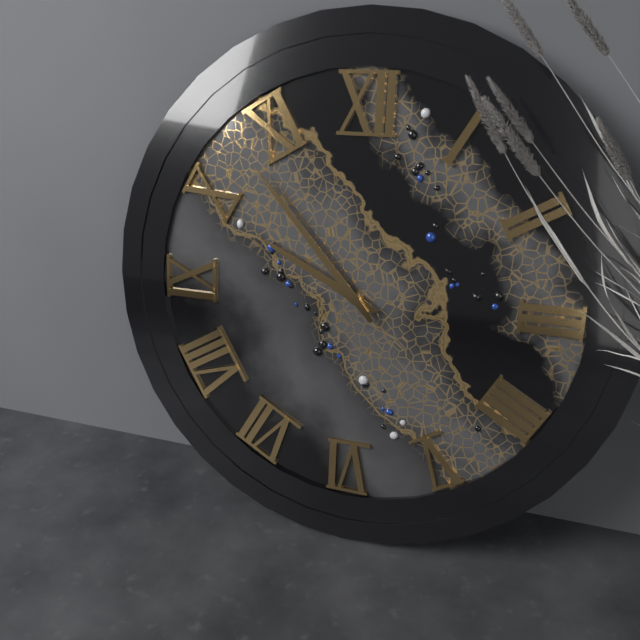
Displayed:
9:53
